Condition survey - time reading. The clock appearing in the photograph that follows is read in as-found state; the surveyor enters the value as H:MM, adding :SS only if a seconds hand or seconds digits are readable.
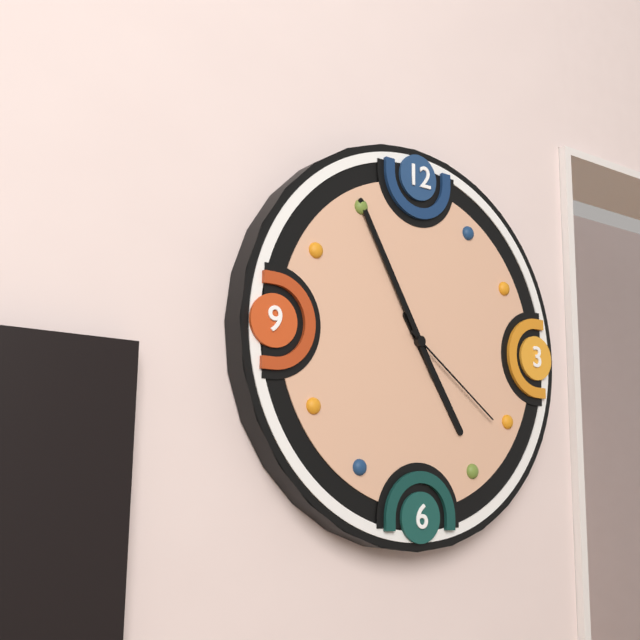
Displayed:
4:55:21
